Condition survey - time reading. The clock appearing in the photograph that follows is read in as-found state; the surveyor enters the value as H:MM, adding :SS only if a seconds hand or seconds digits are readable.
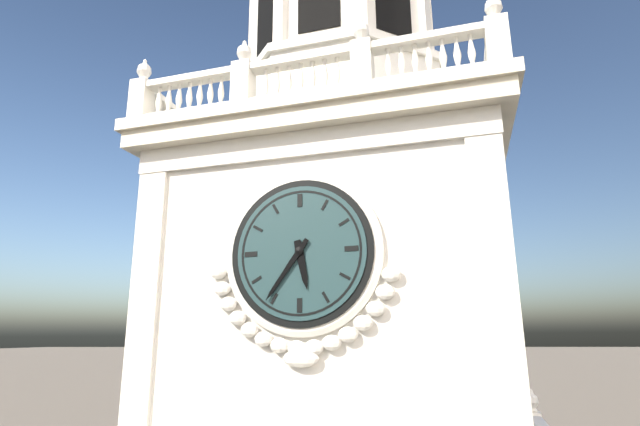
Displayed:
5:36
